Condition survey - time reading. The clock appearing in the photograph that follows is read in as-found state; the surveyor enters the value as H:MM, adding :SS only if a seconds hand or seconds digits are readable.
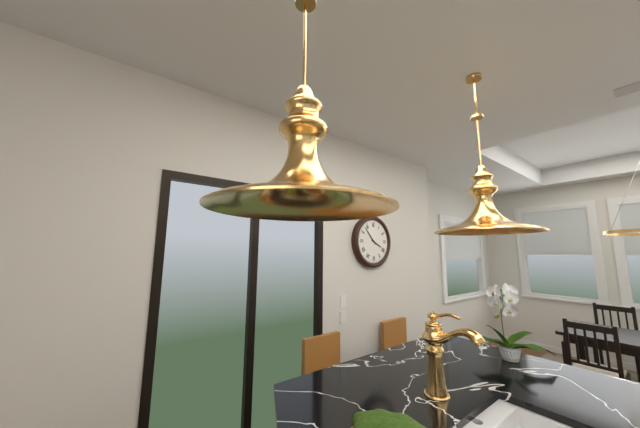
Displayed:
3:53
